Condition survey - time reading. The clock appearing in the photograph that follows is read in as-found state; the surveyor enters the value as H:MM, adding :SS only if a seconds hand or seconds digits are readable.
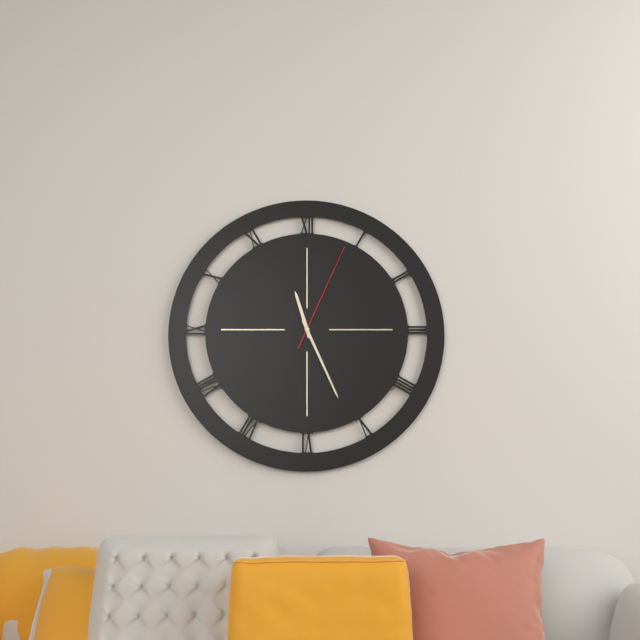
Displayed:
11:26:04
